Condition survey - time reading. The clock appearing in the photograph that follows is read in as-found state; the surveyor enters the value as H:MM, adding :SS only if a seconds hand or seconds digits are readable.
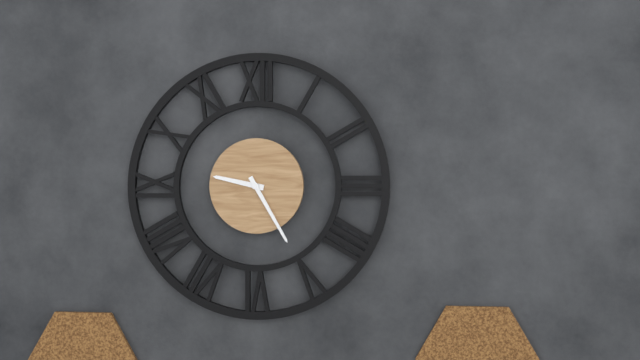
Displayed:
9:25
